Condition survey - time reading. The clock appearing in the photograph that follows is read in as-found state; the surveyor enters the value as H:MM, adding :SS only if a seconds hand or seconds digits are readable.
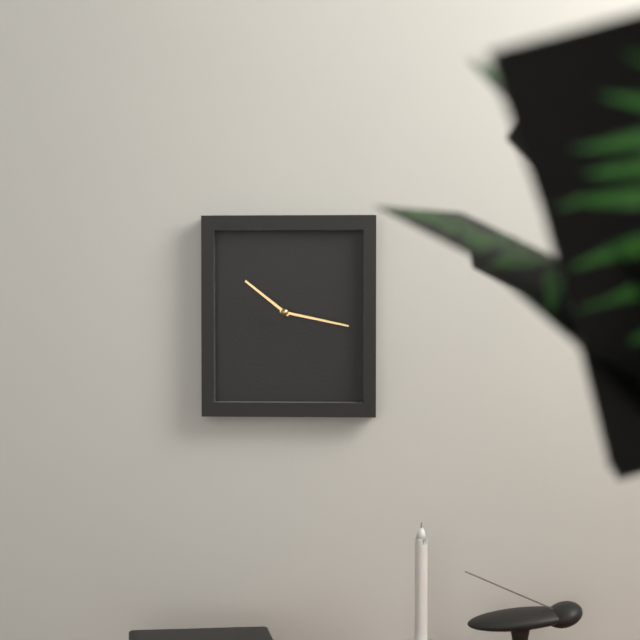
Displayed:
10:17
